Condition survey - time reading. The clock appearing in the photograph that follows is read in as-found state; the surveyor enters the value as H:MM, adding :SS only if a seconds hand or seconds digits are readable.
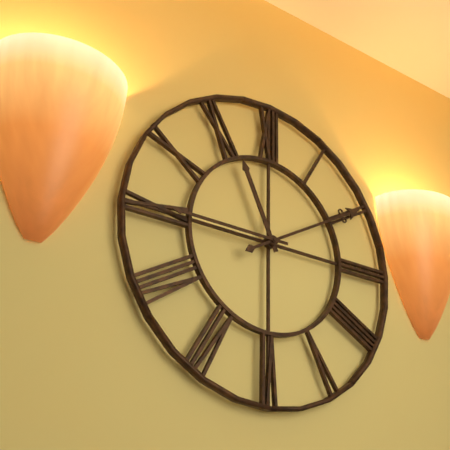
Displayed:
11:10:45
